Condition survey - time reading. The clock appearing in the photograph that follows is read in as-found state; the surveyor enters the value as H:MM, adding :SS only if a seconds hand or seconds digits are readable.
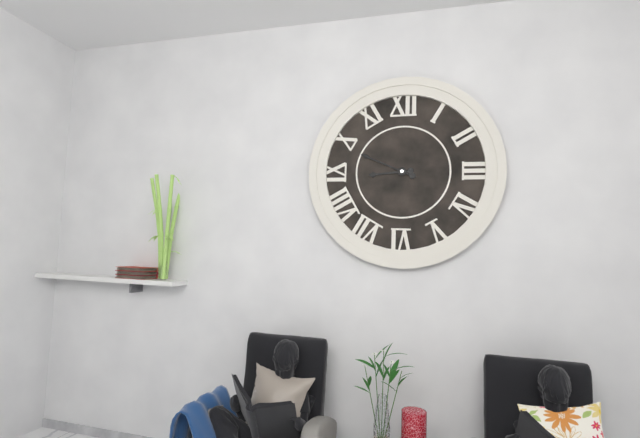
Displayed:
8:49
